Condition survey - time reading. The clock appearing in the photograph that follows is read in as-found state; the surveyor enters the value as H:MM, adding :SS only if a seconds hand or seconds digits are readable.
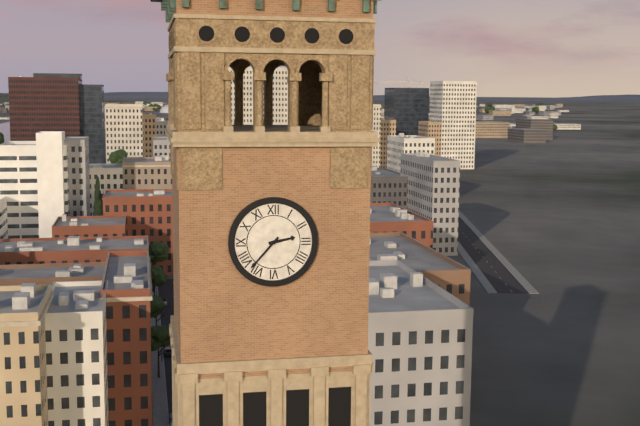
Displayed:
2:37
